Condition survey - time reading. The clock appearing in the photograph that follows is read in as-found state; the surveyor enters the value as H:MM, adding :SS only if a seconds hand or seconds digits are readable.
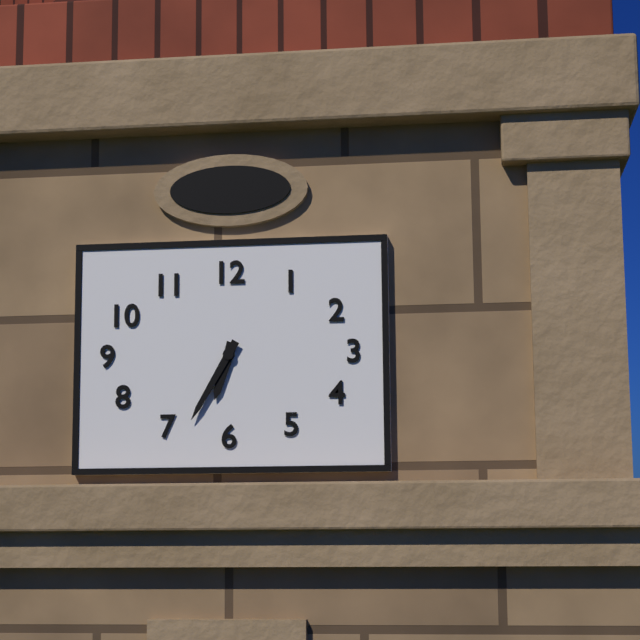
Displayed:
6:35
